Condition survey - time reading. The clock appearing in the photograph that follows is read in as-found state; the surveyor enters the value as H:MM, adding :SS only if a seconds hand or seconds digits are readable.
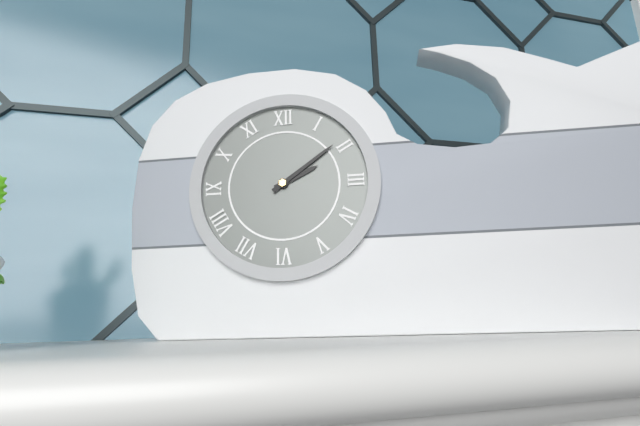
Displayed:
2:09
